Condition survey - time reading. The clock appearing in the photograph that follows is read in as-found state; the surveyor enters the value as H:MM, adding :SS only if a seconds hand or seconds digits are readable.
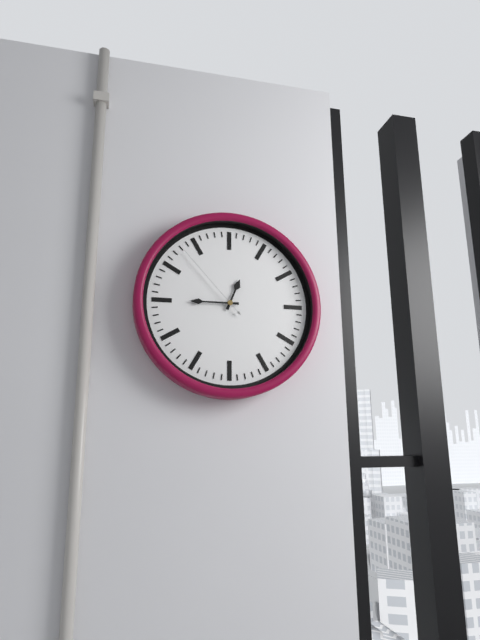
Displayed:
12:45:53
